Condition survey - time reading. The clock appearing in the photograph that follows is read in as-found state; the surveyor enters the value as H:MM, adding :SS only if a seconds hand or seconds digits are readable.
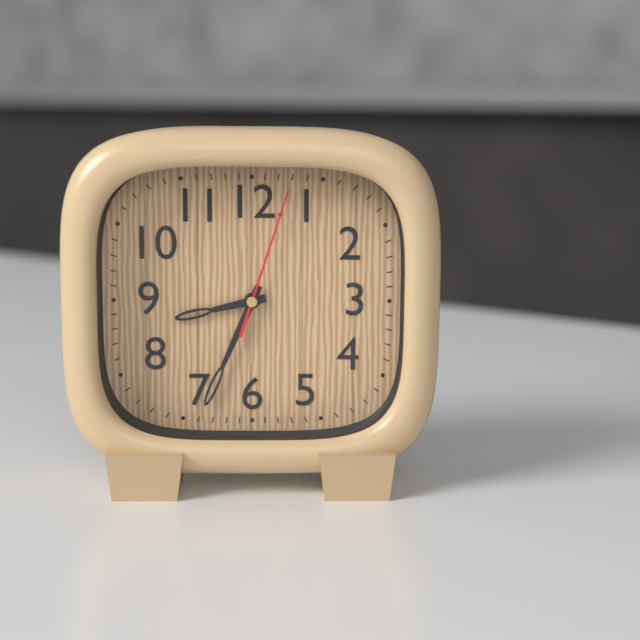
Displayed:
8:34:03
